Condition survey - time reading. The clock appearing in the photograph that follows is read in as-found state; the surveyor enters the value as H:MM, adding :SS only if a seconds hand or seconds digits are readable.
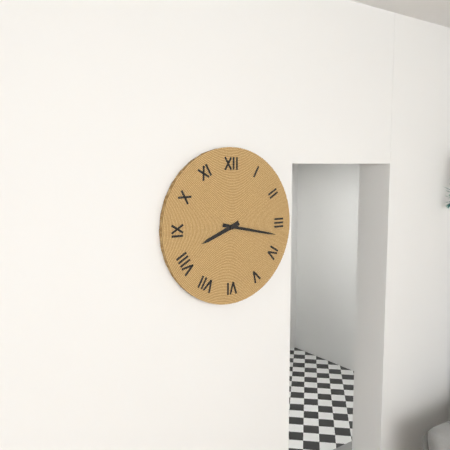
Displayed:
8:17
